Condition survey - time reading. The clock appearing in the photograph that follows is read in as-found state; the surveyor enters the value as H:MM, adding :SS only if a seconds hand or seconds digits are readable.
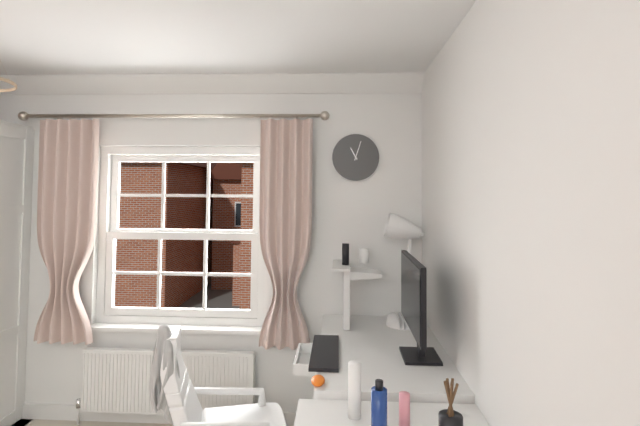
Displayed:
11:03
